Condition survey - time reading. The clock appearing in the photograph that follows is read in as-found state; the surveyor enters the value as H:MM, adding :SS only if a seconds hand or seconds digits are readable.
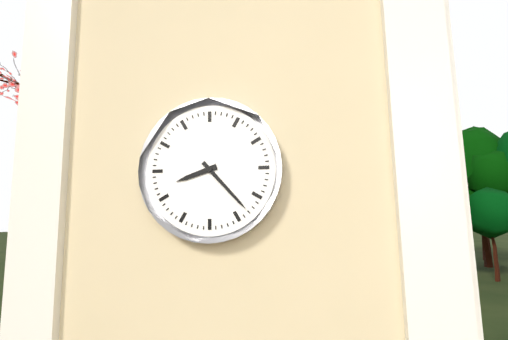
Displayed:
8:23
